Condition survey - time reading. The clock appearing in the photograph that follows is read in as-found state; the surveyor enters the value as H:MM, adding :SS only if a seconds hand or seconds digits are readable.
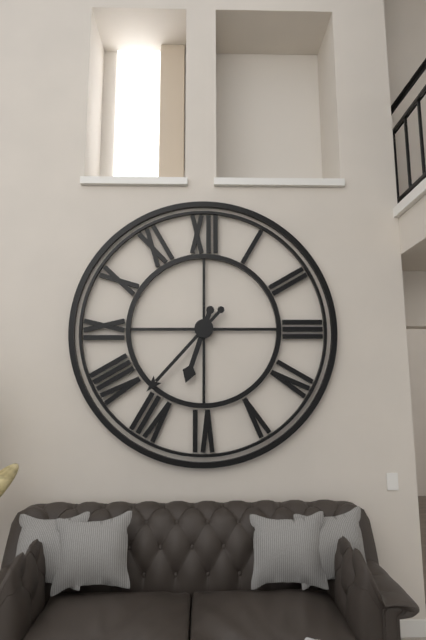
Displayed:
6:37
